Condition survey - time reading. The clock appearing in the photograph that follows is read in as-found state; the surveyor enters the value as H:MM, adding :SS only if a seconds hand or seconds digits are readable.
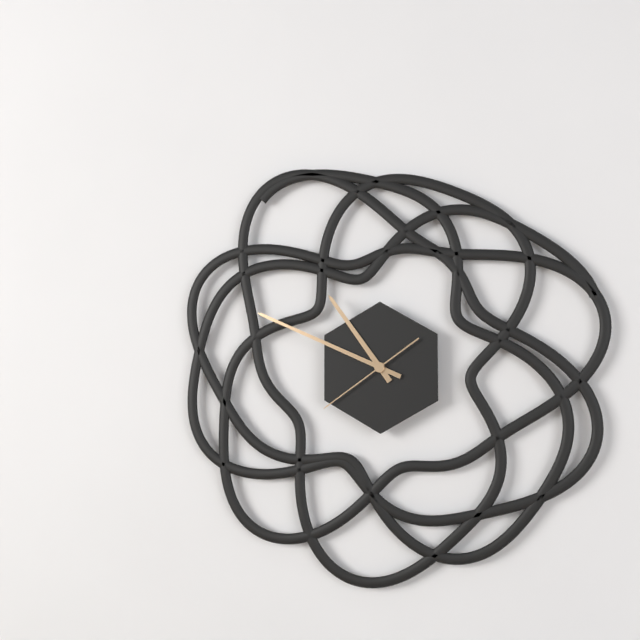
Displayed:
10:49:39
